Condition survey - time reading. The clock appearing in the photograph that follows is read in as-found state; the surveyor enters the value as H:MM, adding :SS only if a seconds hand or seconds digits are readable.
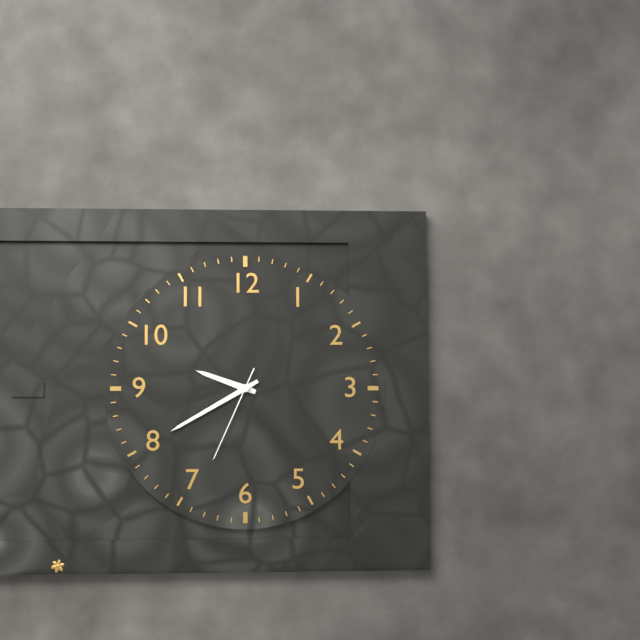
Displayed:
9:40:34
